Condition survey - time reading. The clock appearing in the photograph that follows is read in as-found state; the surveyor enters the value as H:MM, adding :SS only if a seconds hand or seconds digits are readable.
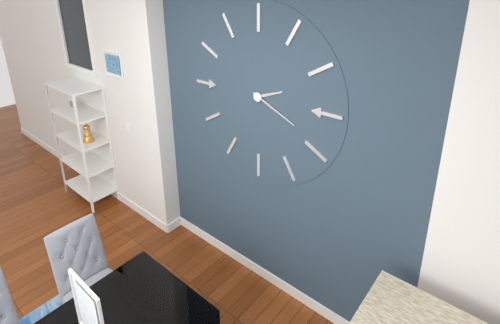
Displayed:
2:19
